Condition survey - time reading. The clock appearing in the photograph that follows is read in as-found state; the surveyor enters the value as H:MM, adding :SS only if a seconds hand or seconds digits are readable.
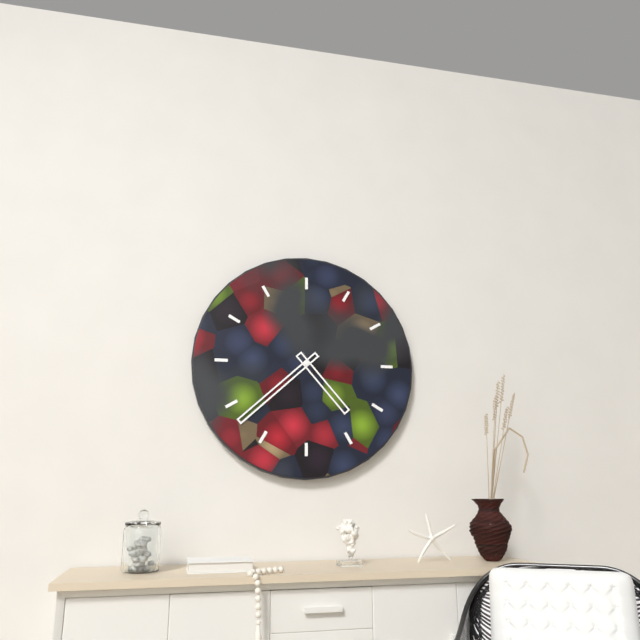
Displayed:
4:38
